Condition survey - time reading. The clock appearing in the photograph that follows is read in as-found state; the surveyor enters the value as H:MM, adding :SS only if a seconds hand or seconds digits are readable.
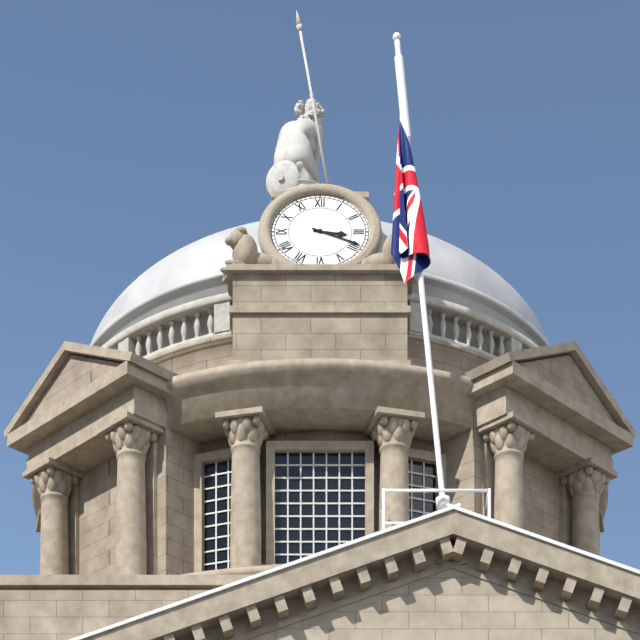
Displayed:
3:19
